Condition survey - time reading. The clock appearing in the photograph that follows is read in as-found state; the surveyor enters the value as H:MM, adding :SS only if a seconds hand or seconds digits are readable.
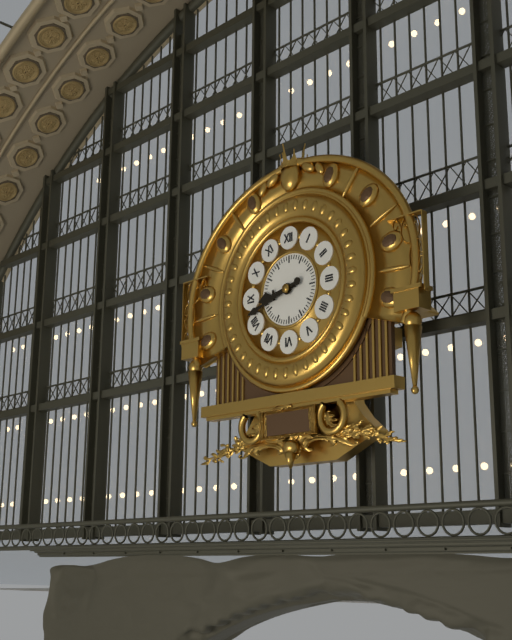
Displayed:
8:42
